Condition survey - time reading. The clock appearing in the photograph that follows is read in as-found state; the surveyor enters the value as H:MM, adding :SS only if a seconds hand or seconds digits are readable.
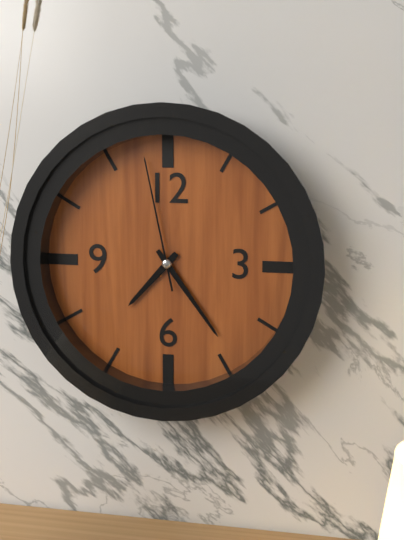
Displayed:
7:24:58
